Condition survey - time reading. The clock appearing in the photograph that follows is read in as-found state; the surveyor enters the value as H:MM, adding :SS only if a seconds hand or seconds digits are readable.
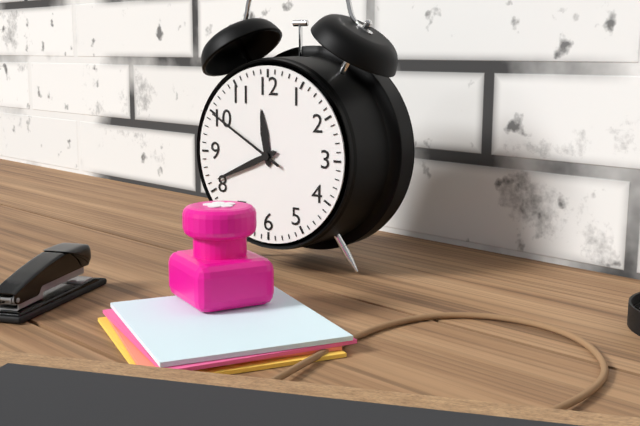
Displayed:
11:41:50
